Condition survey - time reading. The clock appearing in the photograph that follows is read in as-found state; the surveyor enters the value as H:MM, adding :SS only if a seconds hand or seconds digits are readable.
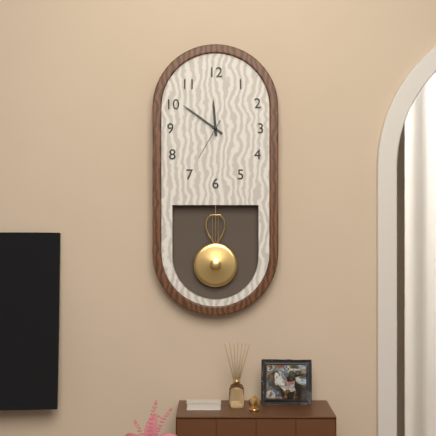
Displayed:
11:51
